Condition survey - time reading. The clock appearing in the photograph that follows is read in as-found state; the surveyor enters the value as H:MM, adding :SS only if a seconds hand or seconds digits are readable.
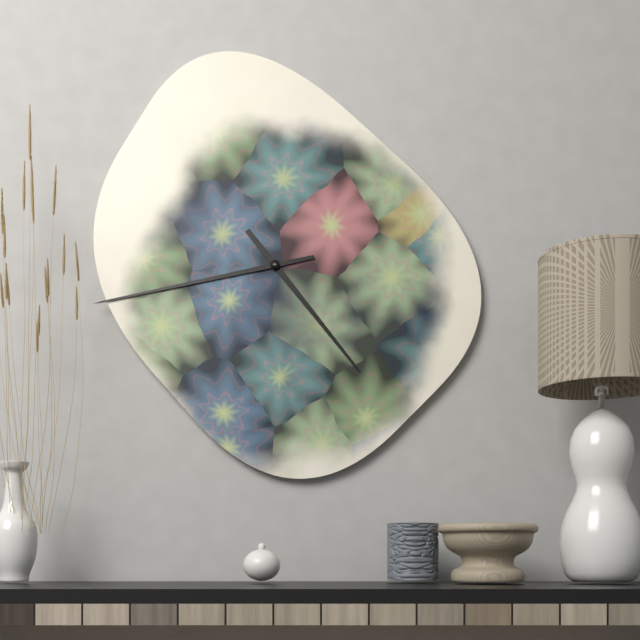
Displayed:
4:43
